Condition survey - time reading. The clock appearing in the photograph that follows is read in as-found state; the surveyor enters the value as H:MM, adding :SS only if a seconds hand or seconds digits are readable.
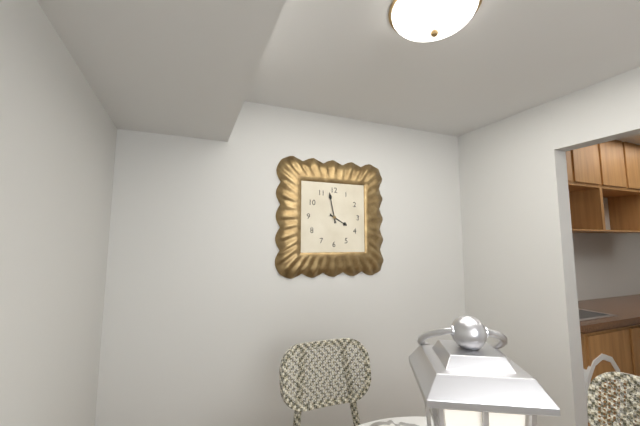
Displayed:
3:58
